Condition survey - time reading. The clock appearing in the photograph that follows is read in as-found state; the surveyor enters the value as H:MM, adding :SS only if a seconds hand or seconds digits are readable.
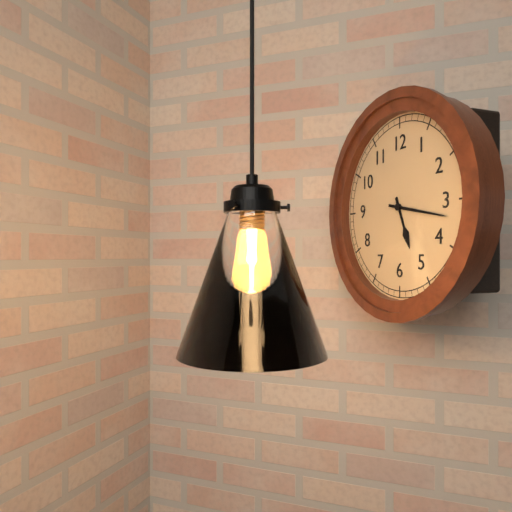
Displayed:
5:17
